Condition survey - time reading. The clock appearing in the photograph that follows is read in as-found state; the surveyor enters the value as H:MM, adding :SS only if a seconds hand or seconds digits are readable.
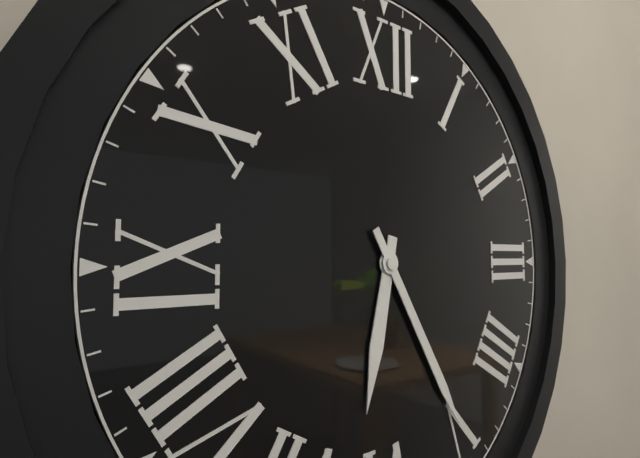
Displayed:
6:25
